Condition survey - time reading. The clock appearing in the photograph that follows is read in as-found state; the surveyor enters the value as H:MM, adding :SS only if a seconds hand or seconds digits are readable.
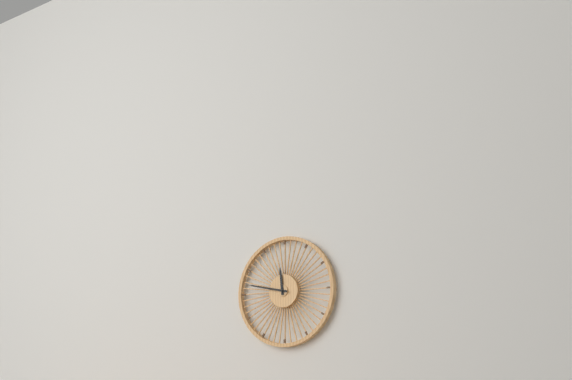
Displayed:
11:47
